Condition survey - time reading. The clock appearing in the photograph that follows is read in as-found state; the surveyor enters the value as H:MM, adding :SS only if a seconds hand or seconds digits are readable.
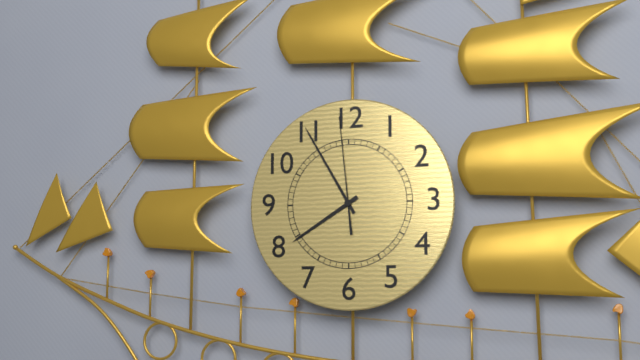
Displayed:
7:55:59
